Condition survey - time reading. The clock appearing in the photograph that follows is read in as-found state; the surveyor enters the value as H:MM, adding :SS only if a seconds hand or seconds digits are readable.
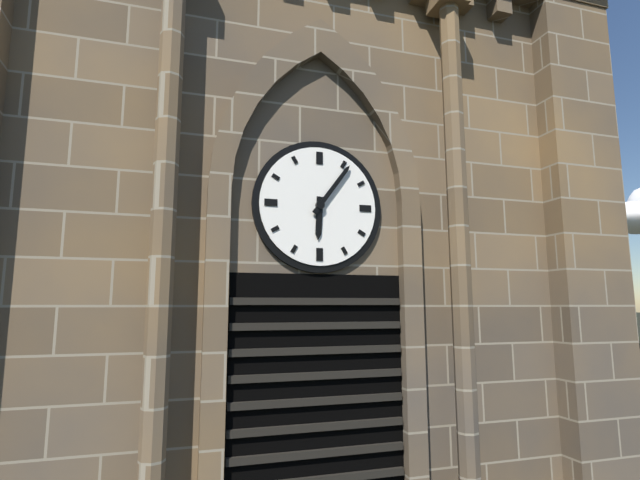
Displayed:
6:06
